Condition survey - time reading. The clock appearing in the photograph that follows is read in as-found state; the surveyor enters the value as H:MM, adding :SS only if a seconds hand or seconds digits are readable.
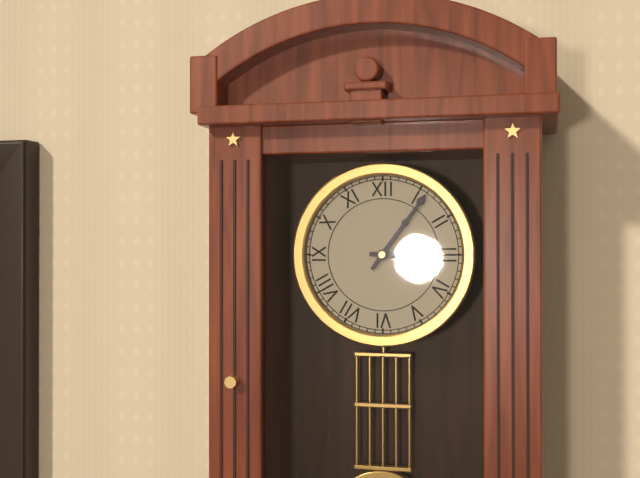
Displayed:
3:06
